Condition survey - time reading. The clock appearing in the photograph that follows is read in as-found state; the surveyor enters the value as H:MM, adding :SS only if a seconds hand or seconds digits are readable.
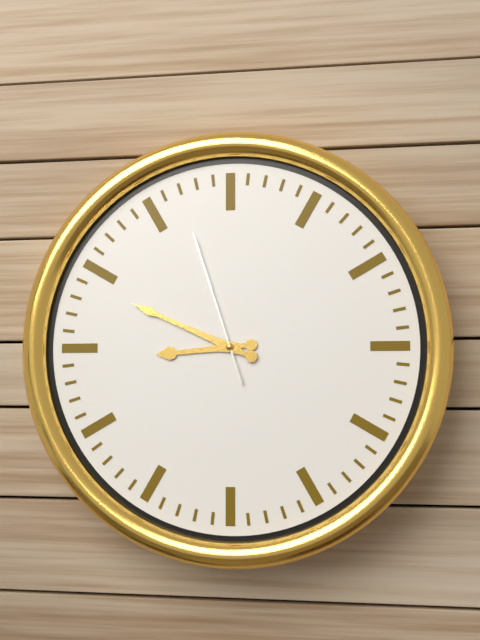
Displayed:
8:49:57
